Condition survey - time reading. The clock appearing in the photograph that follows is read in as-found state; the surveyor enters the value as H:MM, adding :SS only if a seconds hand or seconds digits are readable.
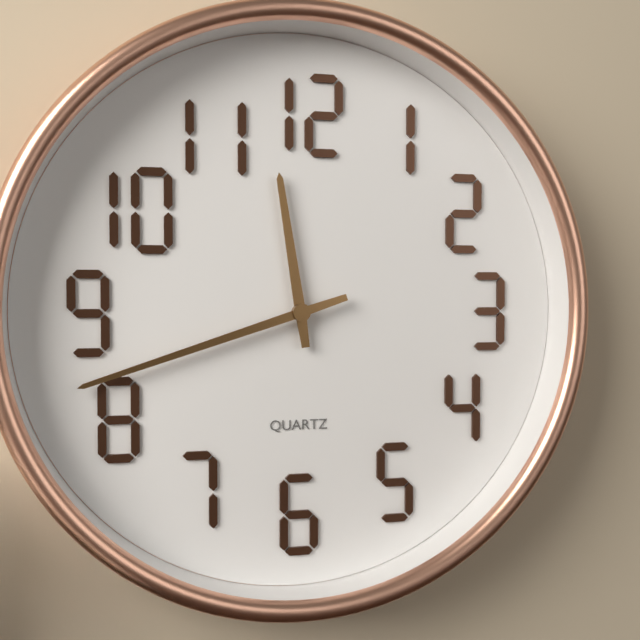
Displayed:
11:42
